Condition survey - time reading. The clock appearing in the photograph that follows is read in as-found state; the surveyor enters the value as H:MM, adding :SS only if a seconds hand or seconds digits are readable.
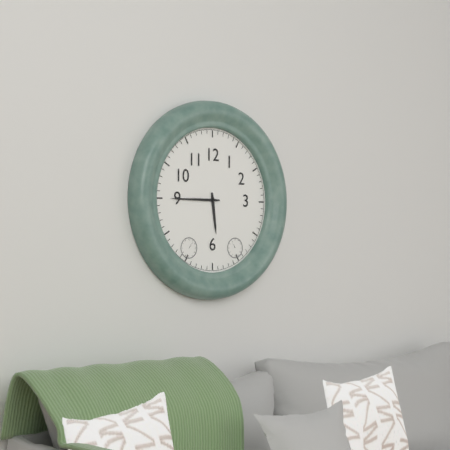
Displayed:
5:45
